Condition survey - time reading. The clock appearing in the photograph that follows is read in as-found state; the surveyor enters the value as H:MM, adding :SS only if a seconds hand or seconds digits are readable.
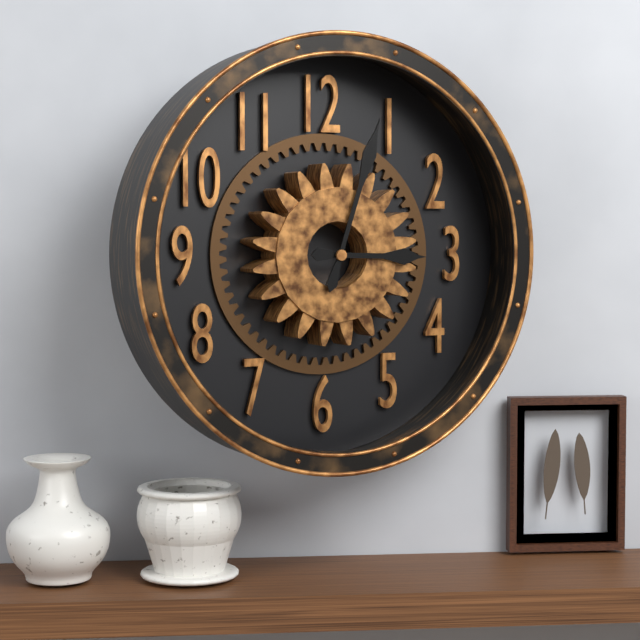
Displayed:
3:03
